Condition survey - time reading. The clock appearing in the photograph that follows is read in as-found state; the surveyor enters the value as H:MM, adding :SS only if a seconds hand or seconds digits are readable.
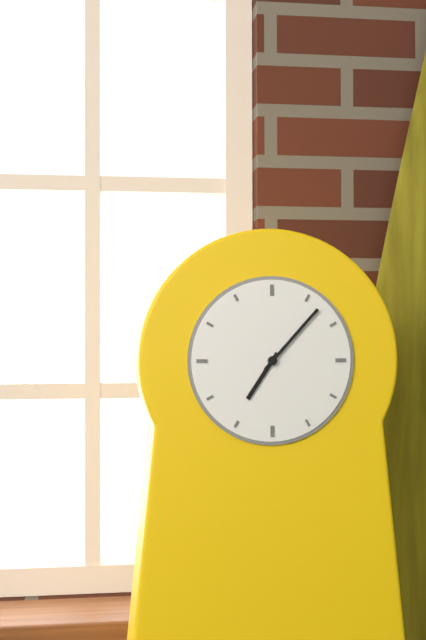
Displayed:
7:07
